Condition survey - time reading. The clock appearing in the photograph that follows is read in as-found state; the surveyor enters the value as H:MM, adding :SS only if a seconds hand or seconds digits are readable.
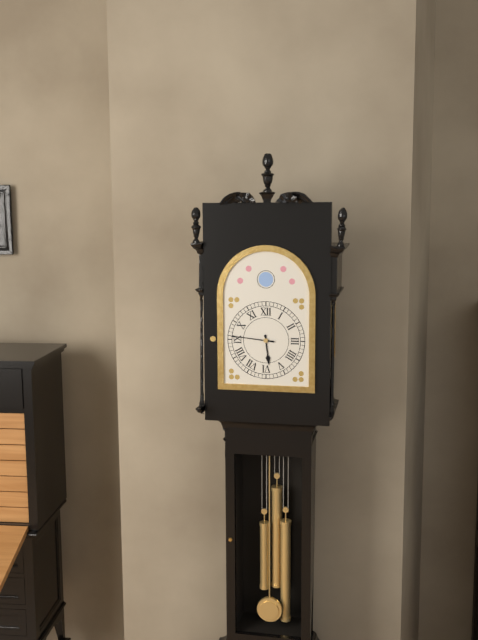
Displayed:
5:46
